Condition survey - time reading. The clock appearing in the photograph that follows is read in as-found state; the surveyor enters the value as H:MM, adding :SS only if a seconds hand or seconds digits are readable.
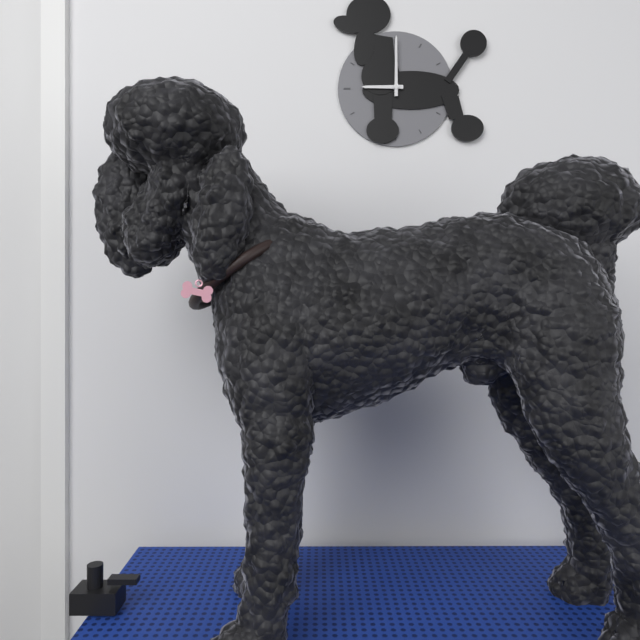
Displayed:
9:00
